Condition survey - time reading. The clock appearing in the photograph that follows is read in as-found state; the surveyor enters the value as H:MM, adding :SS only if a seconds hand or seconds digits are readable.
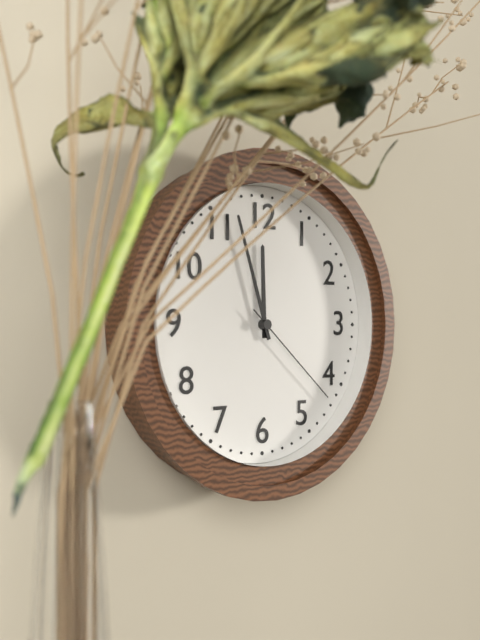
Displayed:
11:57:22
